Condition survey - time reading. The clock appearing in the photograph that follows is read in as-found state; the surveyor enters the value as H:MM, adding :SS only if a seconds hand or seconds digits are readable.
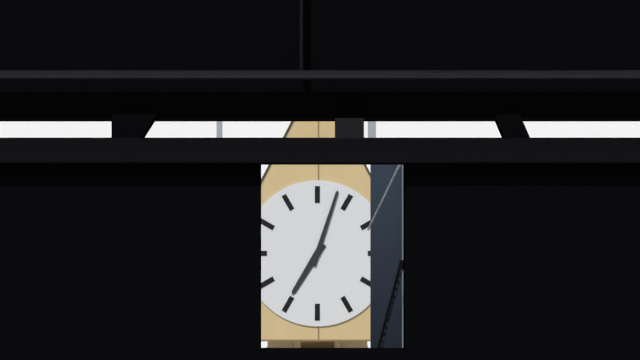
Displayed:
7:03
